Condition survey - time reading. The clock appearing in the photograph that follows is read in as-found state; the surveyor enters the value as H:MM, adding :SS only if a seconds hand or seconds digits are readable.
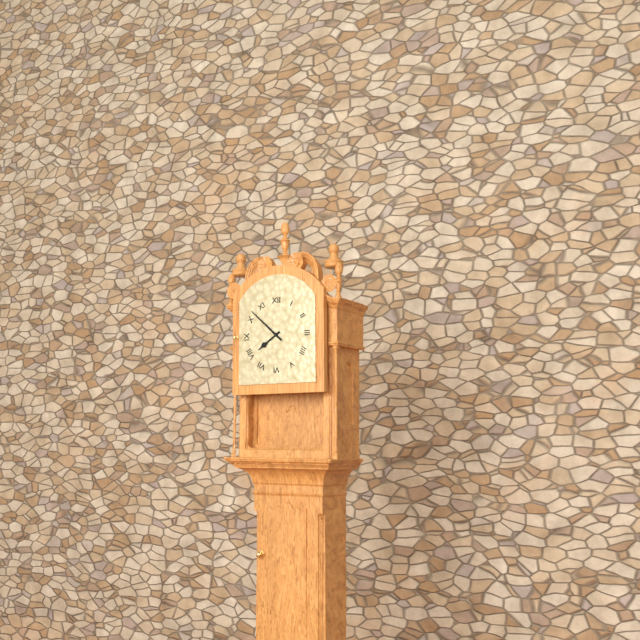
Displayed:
7:52
